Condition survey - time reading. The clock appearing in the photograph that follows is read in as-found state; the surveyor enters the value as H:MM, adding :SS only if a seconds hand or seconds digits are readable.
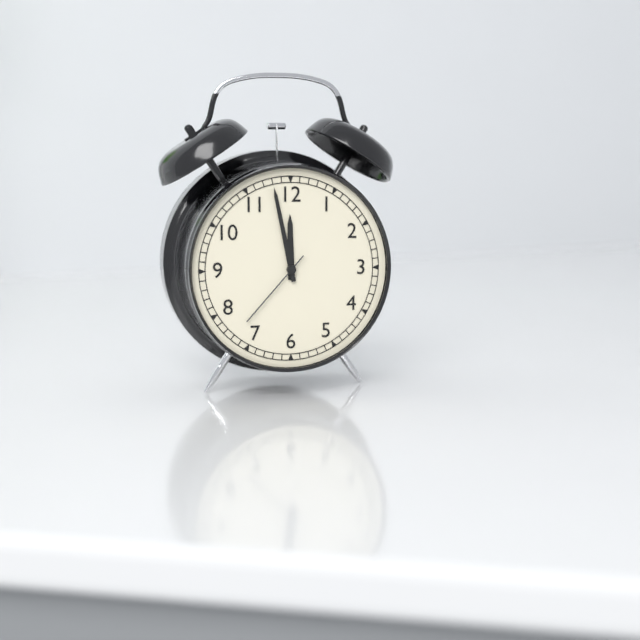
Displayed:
11:58:37
